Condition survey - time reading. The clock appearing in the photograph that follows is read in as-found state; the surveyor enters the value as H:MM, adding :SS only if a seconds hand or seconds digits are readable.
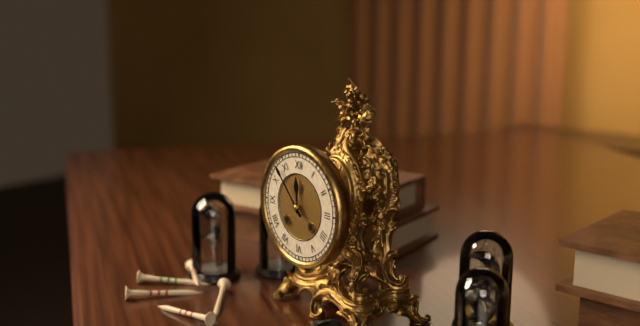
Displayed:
11:53
